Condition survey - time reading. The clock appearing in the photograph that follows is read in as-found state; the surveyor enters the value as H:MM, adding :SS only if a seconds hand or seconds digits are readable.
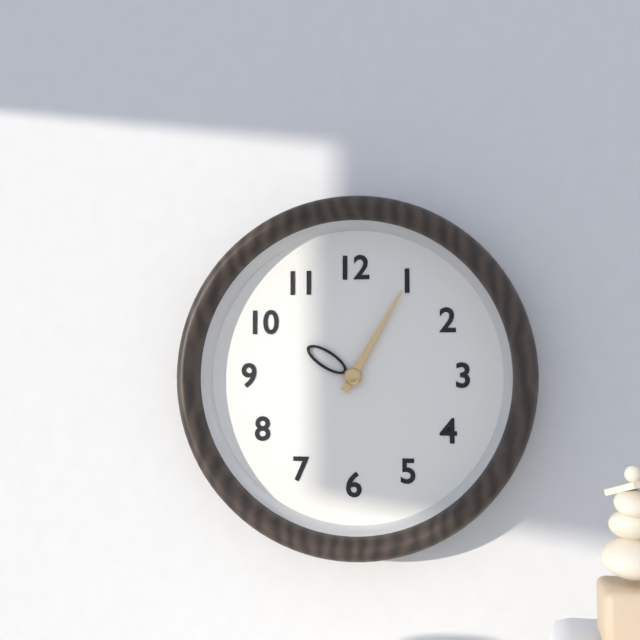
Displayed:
10:05
